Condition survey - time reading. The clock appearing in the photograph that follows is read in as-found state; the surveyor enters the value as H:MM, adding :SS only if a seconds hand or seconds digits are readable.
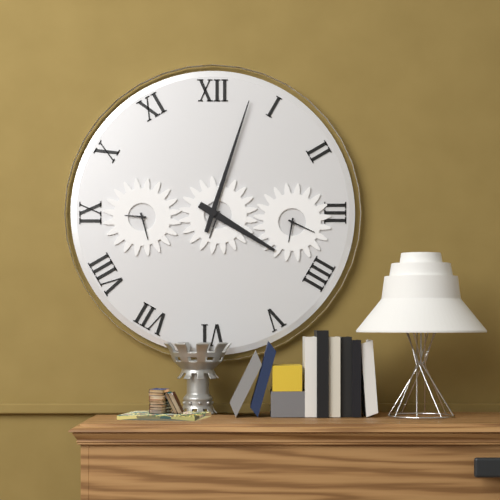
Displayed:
4:03
